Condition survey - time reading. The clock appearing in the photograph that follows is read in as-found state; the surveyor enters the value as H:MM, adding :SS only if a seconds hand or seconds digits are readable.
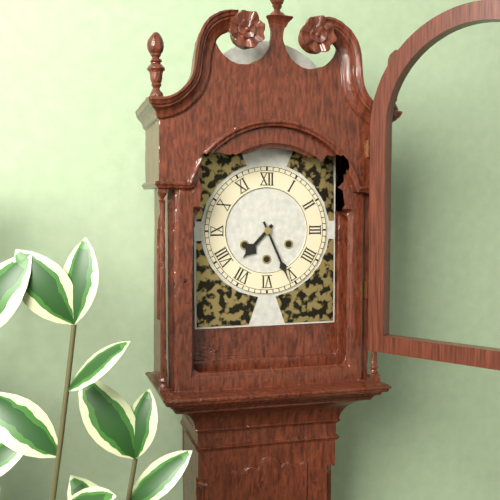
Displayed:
7:26
